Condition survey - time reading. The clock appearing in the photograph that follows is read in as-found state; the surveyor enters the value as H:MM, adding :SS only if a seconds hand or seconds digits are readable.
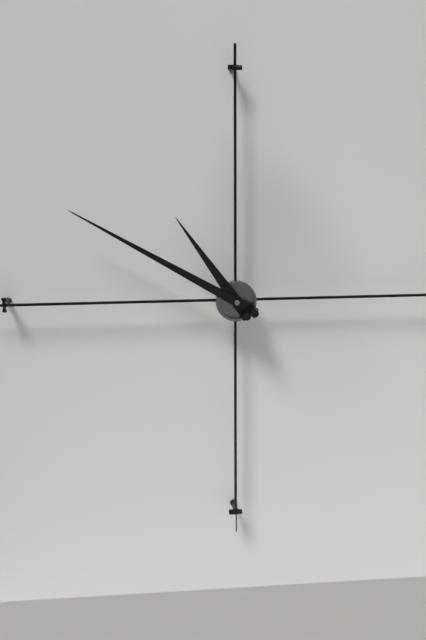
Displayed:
10:50
